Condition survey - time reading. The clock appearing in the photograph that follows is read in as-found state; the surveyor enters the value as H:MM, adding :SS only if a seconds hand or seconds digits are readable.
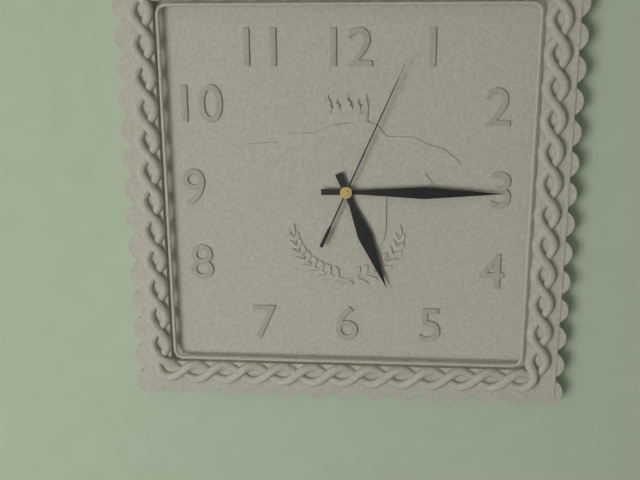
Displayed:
5:15:04
